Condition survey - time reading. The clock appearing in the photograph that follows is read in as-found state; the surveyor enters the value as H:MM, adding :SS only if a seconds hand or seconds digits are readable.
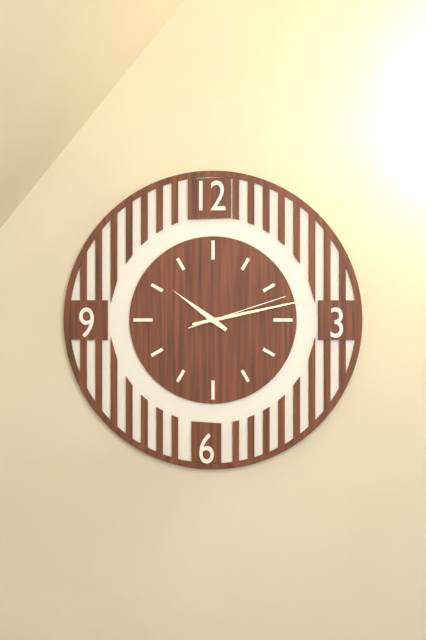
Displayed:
10:13:12
